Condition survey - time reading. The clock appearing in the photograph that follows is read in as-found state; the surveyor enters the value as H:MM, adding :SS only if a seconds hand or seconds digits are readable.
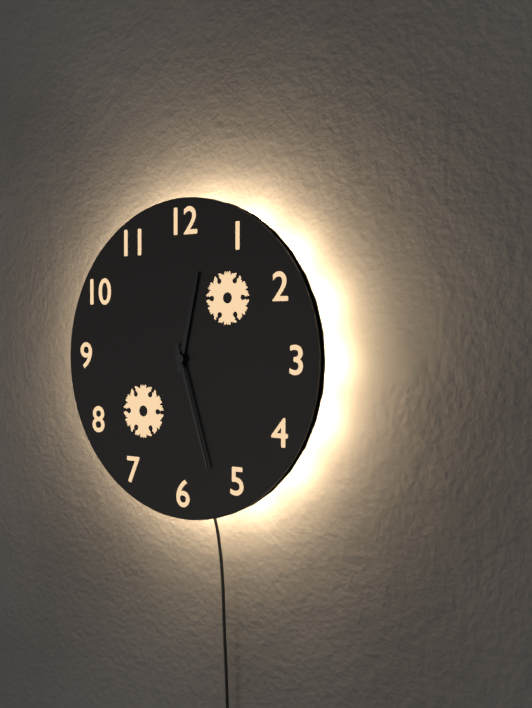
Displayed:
12:27
